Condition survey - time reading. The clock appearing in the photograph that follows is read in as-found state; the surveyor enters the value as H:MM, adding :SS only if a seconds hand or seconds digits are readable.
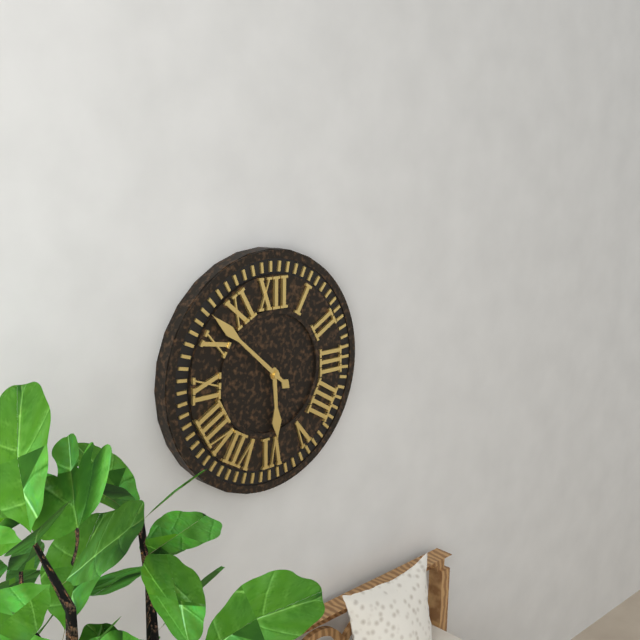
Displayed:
5:52
